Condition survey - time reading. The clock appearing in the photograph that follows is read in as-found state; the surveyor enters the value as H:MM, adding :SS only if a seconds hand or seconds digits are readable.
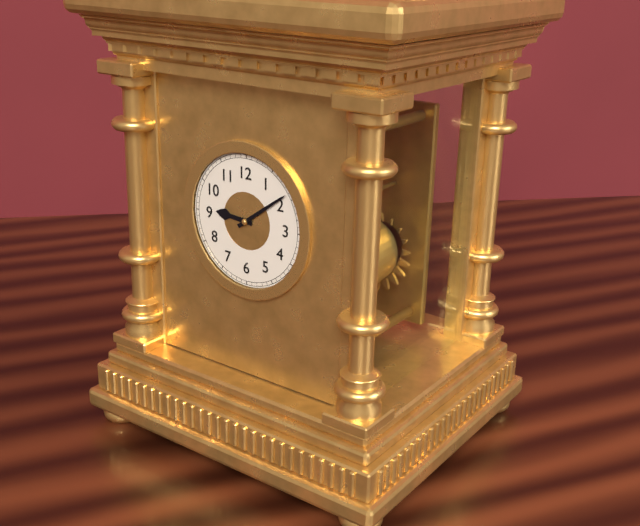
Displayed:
9:09
